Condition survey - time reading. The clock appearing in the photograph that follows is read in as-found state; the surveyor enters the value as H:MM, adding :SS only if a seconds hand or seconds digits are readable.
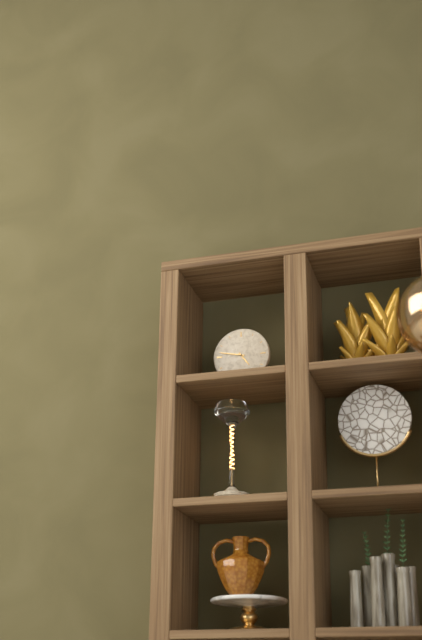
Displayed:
4:47
